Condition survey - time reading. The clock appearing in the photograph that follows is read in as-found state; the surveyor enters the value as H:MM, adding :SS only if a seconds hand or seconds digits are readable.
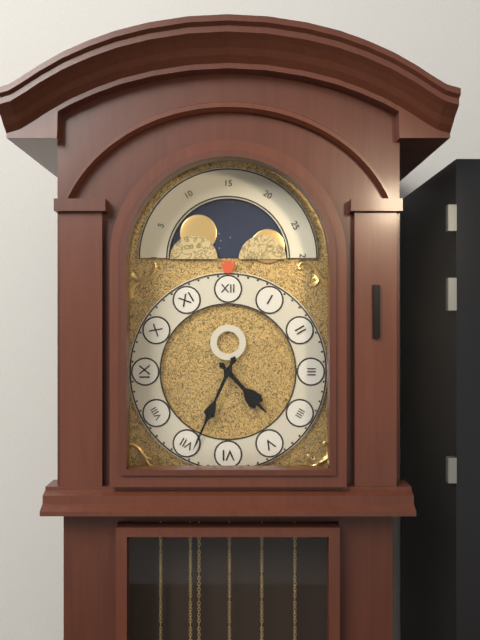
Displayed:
4:34
